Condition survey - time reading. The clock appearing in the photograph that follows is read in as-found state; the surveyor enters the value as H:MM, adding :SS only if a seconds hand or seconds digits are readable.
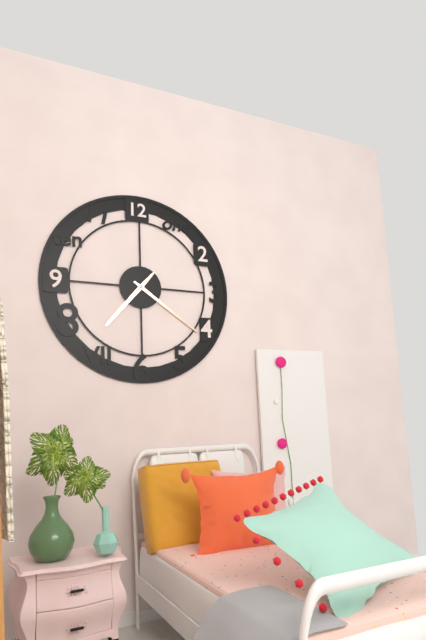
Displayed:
7:21
